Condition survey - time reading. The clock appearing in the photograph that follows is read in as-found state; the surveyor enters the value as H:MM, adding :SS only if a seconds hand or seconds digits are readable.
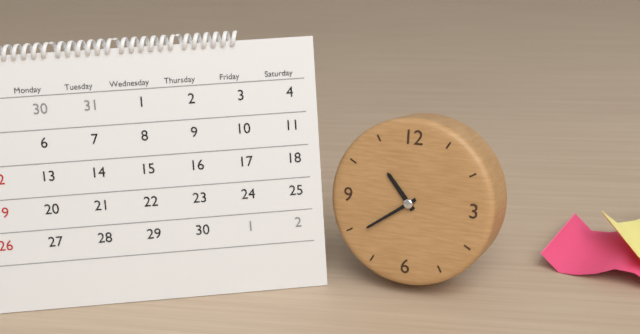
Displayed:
10:39
